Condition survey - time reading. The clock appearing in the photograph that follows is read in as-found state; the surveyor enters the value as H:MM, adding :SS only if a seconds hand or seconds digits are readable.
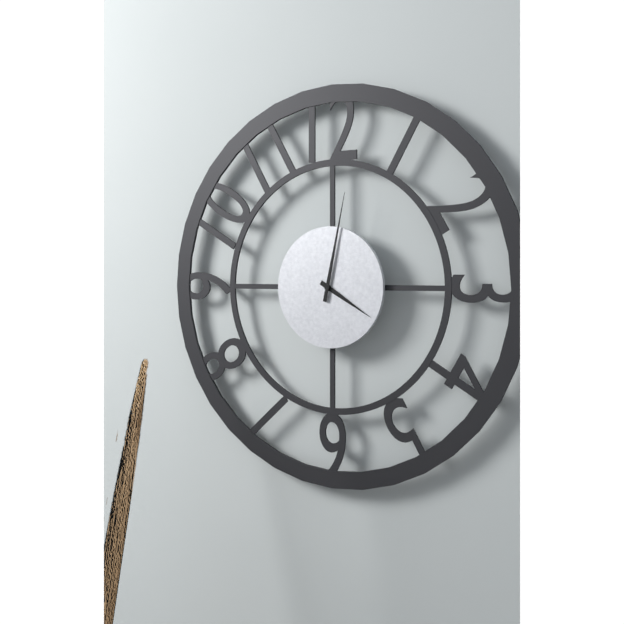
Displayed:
4:02
